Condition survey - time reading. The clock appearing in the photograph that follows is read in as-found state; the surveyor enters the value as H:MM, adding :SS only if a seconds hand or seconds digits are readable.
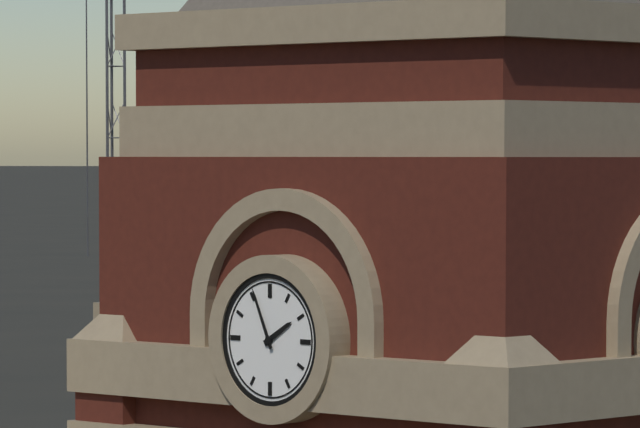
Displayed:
1:56
